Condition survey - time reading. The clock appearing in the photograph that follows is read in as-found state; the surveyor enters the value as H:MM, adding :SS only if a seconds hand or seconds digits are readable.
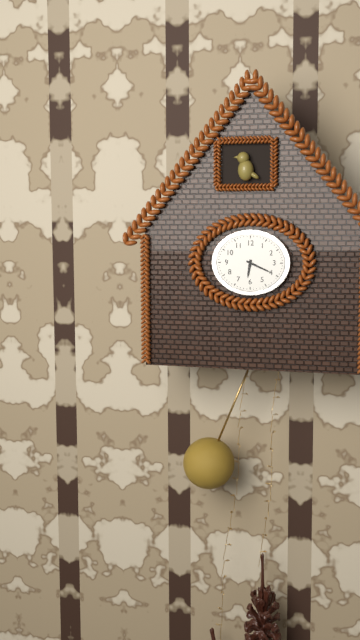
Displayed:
6:19
